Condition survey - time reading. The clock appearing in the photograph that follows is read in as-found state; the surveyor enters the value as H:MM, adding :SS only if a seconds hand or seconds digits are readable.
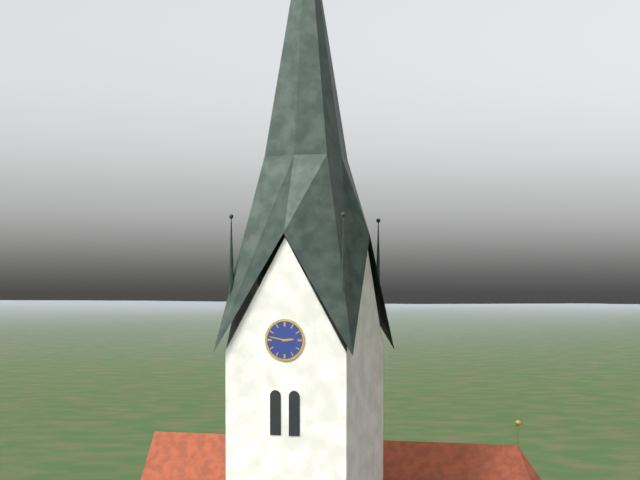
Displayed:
2:47
